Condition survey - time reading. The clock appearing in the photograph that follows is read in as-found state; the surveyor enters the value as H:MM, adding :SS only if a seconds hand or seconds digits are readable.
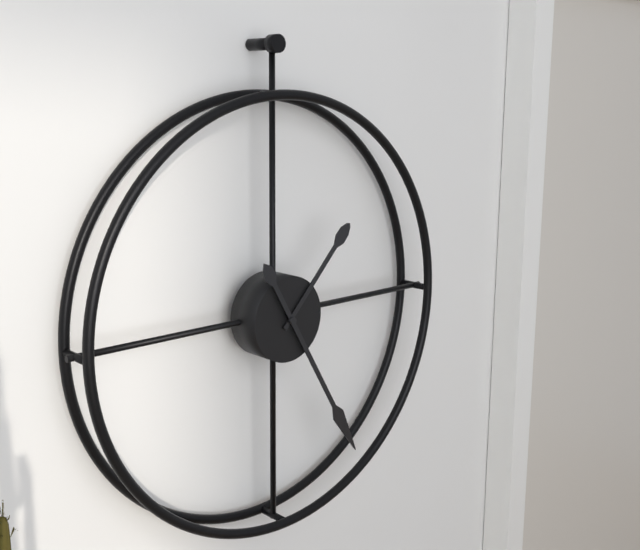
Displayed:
1:25
